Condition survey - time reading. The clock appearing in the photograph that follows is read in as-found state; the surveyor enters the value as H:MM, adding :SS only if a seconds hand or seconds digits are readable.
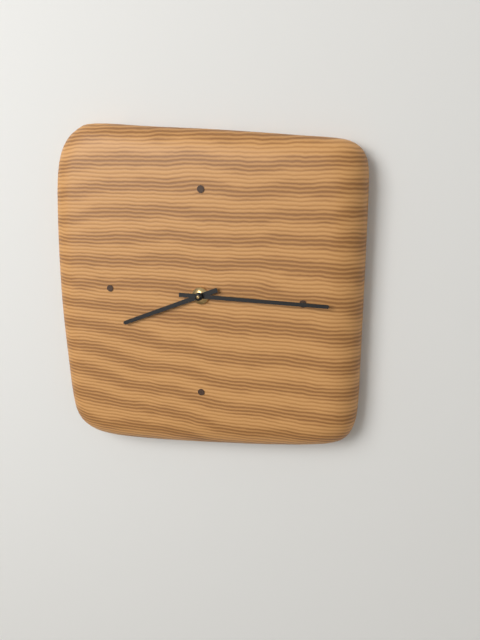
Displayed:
8:15
